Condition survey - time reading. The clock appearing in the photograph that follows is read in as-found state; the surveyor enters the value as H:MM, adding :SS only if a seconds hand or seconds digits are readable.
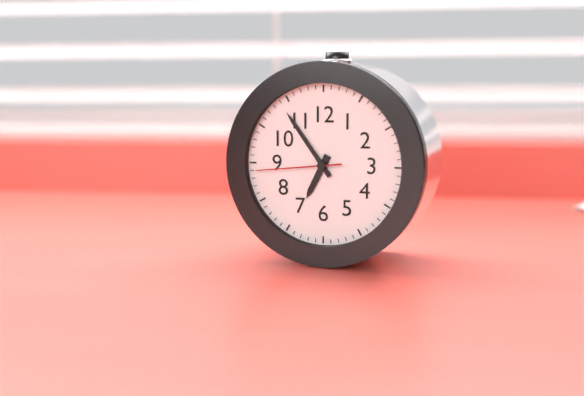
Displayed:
6:54:44
